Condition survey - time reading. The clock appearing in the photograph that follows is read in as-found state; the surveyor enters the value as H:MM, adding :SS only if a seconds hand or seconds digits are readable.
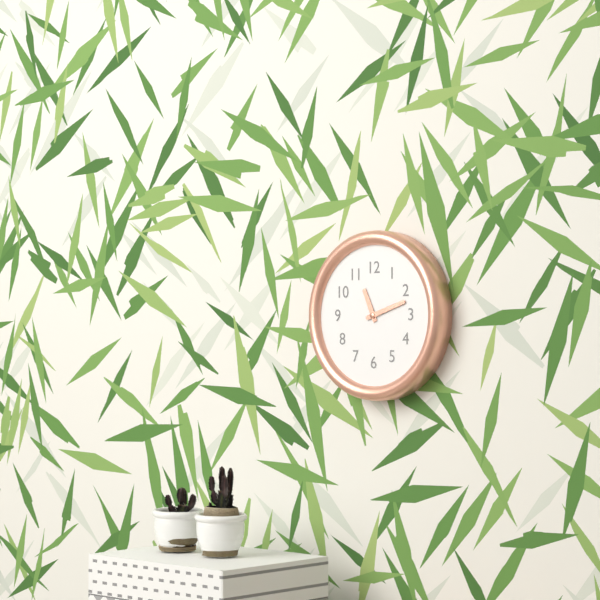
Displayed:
11:12
